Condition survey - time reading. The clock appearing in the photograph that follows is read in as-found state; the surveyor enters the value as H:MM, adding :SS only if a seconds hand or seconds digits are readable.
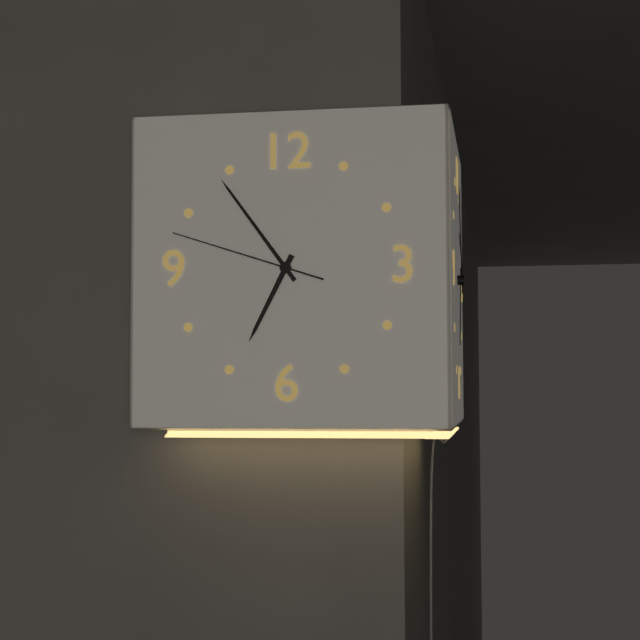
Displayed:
6:54:48
